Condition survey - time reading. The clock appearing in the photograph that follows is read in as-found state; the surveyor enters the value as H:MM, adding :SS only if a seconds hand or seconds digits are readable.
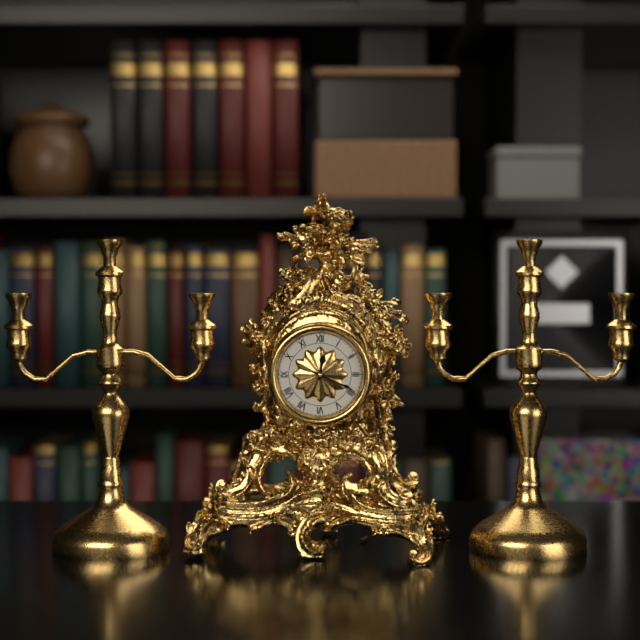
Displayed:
12:19
